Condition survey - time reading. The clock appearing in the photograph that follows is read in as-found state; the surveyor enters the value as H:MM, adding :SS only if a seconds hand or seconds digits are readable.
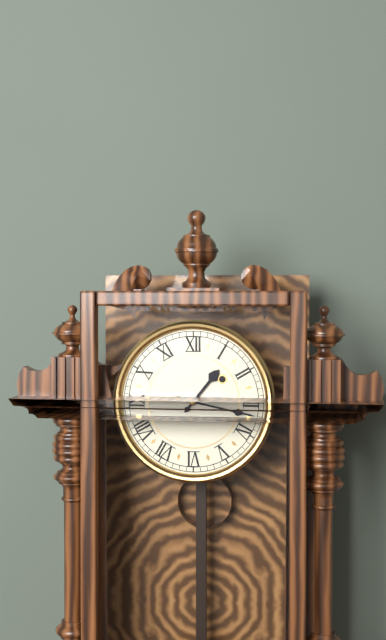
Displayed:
1:17
